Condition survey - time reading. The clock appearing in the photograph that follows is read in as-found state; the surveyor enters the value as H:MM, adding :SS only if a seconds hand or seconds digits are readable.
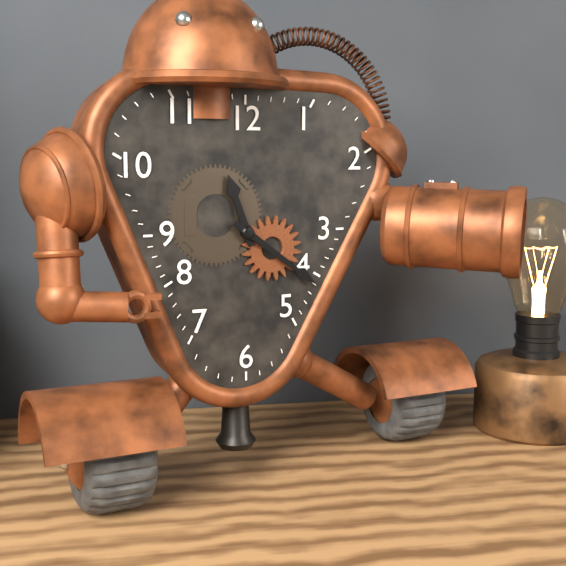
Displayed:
11:21
